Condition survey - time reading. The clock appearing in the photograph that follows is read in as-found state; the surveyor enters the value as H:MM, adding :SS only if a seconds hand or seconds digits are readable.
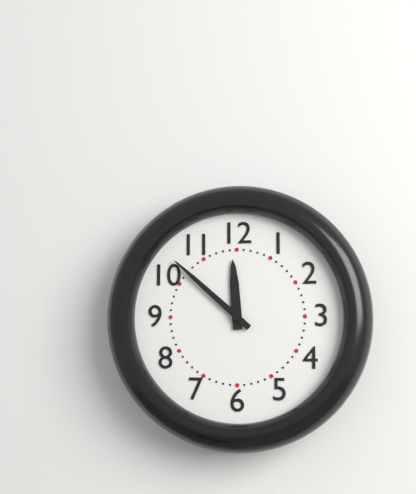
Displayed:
11:52
